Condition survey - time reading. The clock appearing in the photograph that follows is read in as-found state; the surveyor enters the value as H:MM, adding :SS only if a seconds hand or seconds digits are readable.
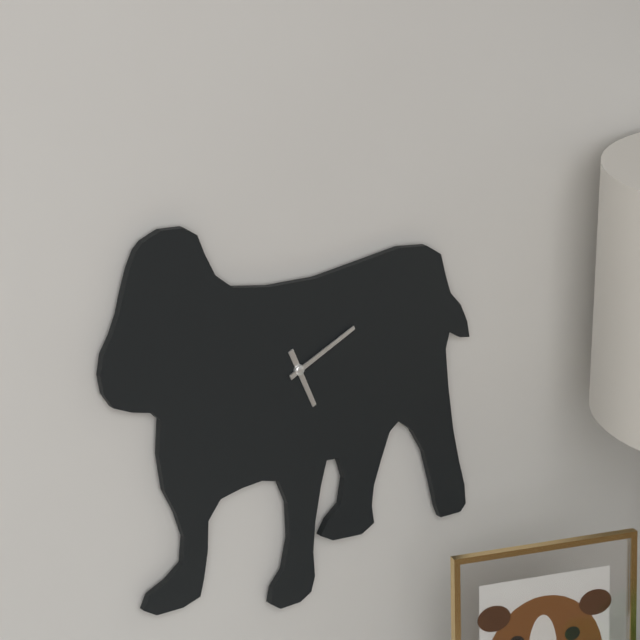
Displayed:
5:11
